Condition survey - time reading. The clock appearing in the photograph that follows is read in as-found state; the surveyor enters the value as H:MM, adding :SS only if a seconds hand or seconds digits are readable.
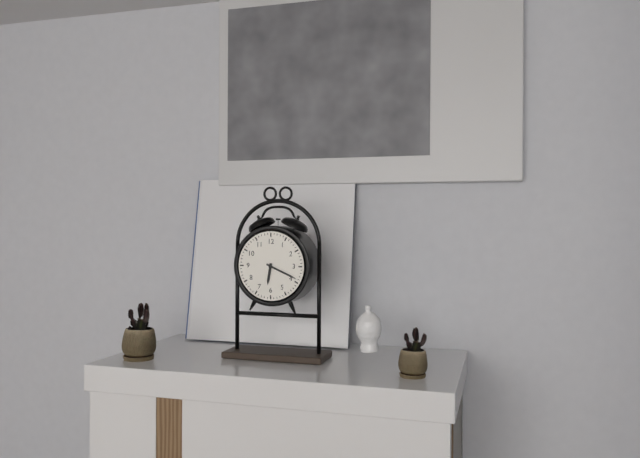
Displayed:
6:19
